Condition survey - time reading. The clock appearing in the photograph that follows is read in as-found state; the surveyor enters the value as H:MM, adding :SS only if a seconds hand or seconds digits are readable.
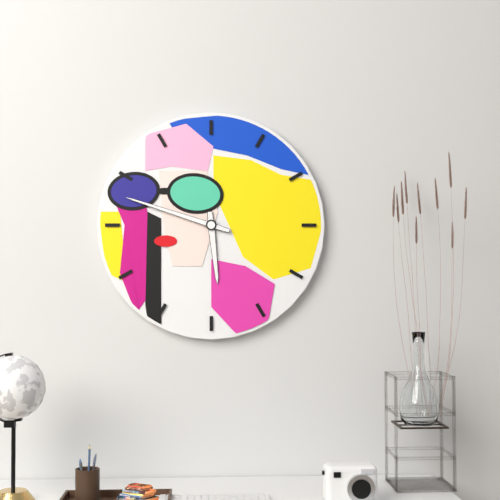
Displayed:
5:48
